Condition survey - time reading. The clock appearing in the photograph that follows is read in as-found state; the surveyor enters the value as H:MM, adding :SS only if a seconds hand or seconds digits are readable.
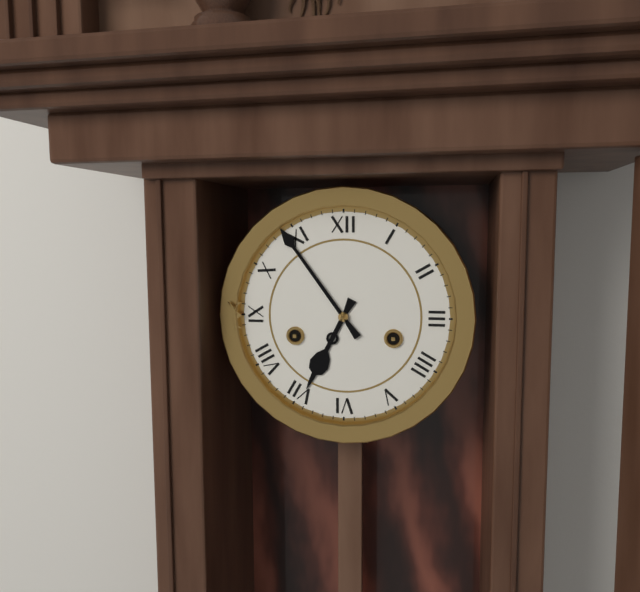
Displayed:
6:54
